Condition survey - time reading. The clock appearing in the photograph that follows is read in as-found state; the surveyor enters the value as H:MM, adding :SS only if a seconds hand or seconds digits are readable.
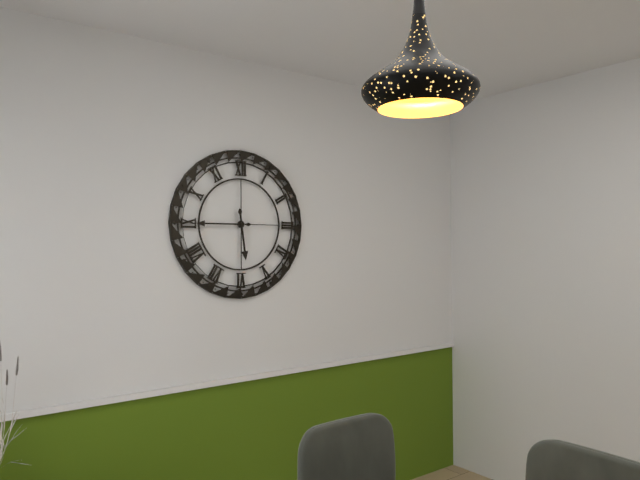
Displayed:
5:45
